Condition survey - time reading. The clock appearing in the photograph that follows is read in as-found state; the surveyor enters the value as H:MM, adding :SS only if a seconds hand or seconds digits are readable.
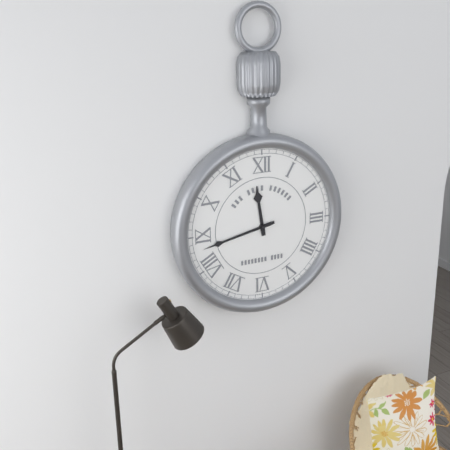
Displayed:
11:43
